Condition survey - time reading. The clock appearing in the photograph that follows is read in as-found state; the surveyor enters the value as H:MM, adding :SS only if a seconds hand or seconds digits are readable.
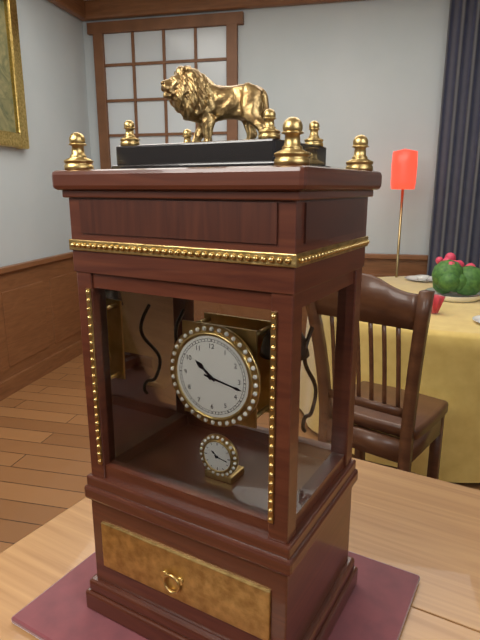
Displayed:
10:17
